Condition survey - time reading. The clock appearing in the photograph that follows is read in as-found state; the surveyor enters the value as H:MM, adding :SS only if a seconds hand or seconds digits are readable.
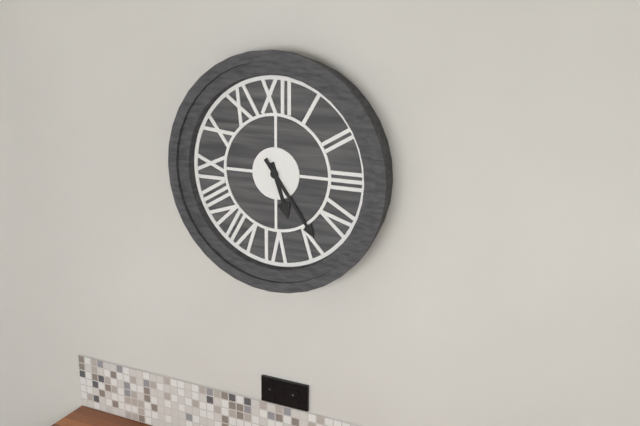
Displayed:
5:24
